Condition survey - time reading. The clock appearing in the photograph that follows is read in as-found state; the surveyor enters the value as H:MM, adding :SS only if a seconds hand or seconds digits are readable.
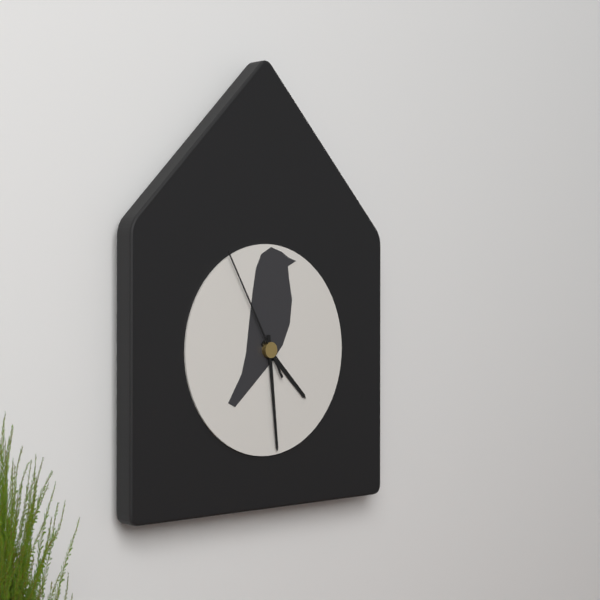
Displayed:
4:29:55
